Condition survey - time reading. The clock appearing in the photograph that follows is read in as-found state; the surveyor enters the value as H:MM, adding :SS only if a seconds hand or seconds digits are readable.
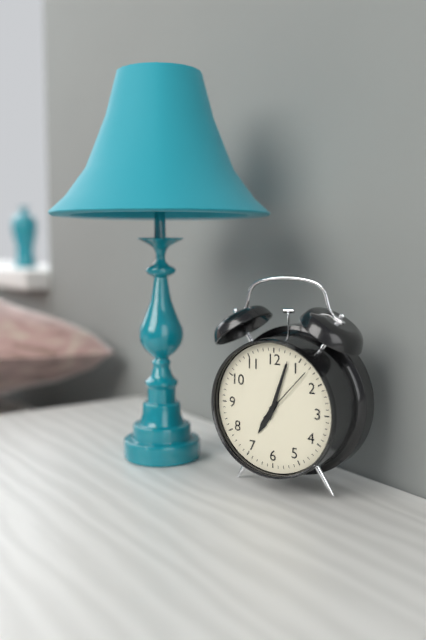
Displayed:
7:03:07
